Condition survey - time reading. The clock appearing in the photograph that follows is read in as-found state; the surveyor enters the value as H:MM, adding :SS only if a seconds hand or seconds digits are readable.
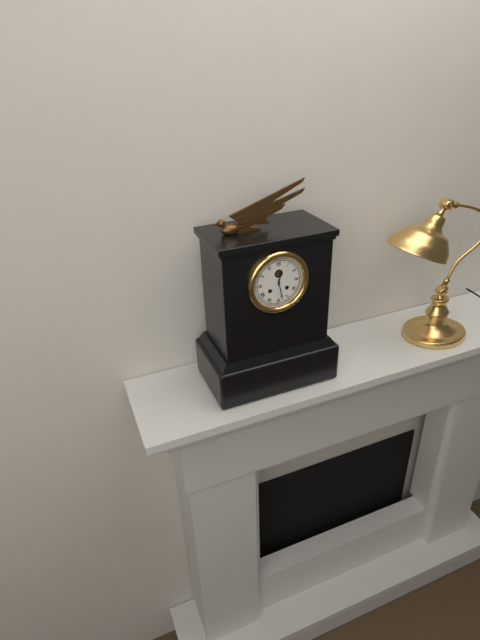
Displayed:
12:28
